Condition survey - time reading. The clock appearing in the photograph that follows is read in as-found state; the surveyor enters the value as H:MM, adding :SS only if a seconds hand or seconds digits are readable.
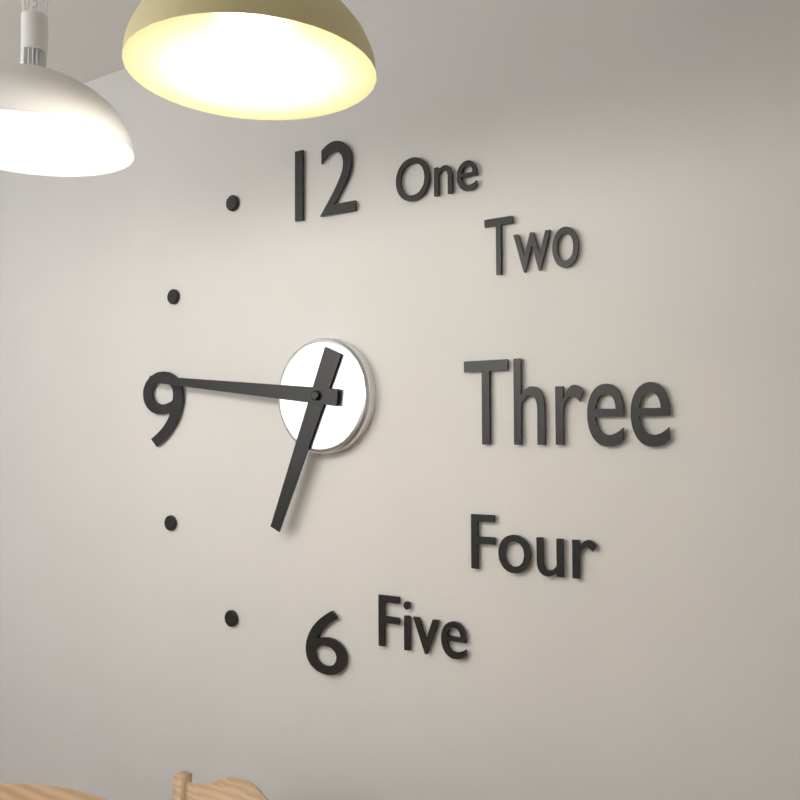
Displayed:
6:46
